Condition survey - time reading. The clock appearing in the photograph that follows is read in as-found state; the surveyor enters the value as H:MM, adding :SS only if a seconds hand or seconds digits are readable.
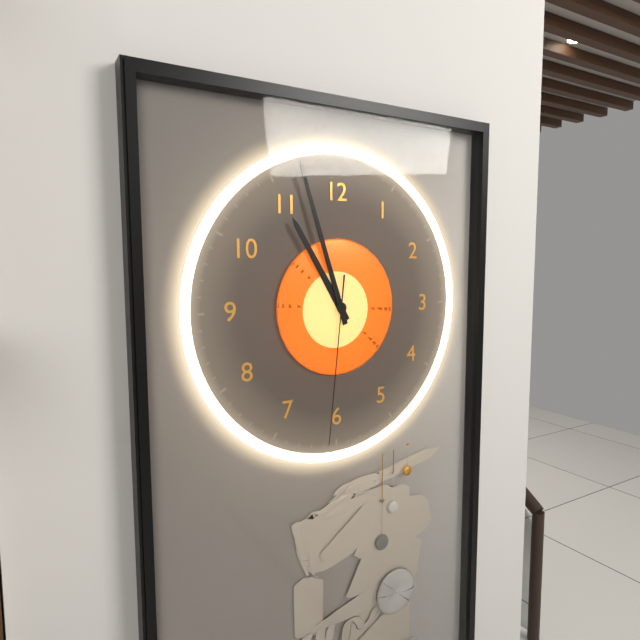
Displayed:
10:57:31
